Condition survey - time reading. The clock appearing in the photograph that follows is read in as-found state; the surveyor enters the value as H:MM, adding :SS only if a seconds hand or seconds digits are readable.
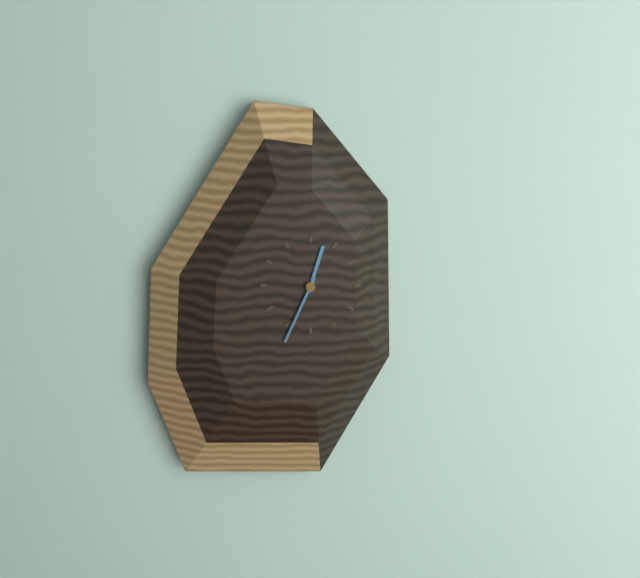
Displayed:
12:34
